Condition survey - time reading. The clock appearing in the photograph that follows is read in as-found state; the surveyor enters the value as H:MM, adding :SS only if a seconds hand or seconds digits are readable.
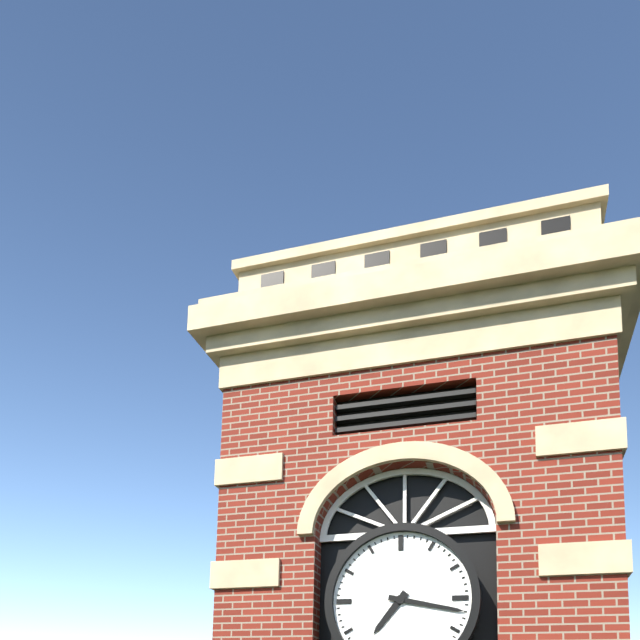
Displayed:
7:17
